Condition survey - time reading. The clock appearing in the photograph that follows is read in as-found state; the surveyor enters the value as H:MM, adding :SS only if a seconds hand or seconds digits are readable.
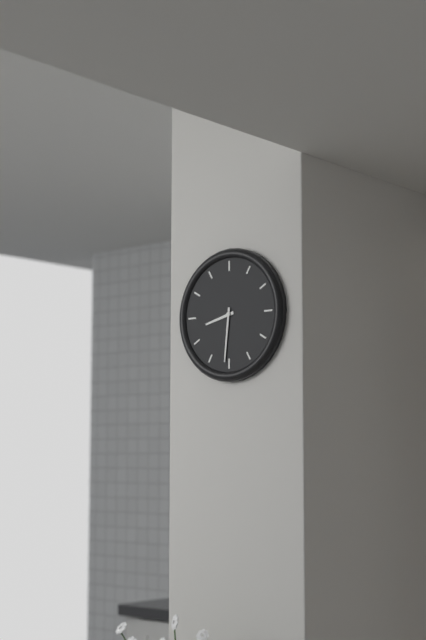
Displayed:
8:31
